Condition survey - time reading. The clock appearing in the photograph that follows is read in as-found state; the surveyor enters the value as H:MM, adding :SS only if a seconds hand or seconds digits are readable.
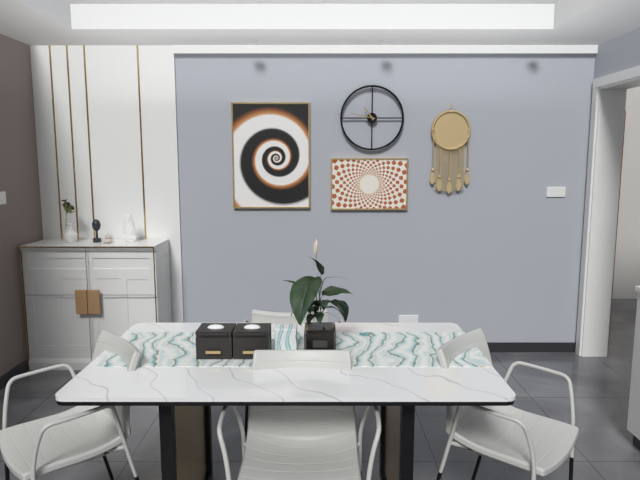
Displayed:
10:47
